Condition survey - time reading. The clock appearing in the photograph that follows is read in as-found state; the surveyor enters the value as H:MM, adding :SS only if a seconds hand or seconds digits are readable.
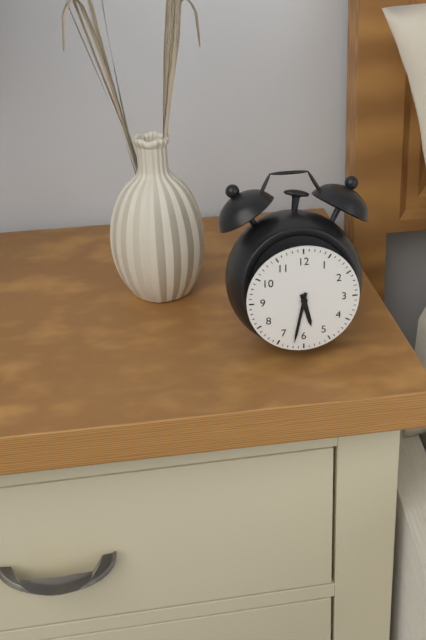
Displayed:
5:32
